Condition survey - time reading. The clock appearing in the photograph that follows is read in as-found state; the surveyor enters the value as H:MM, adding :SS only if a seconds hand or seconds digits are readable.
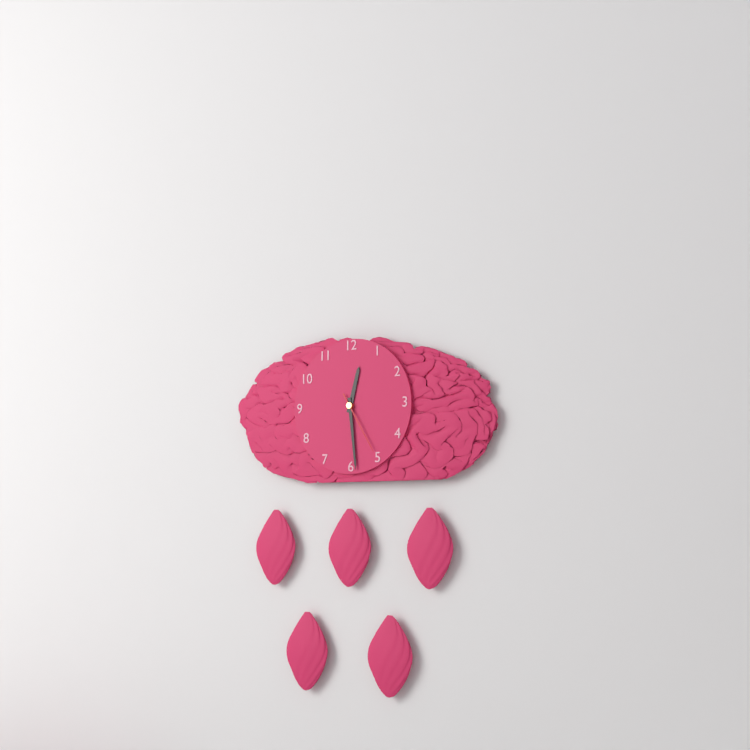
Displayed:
12:29:25
